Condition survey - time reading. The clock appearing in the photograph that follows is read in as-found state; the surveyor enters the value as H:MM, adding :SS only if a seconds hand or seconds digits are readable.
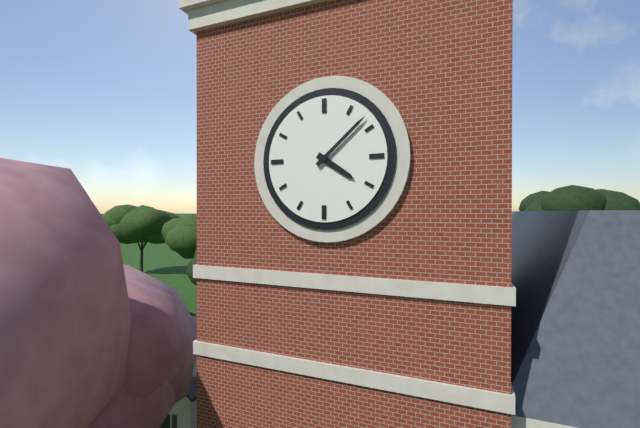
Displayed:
4:08
